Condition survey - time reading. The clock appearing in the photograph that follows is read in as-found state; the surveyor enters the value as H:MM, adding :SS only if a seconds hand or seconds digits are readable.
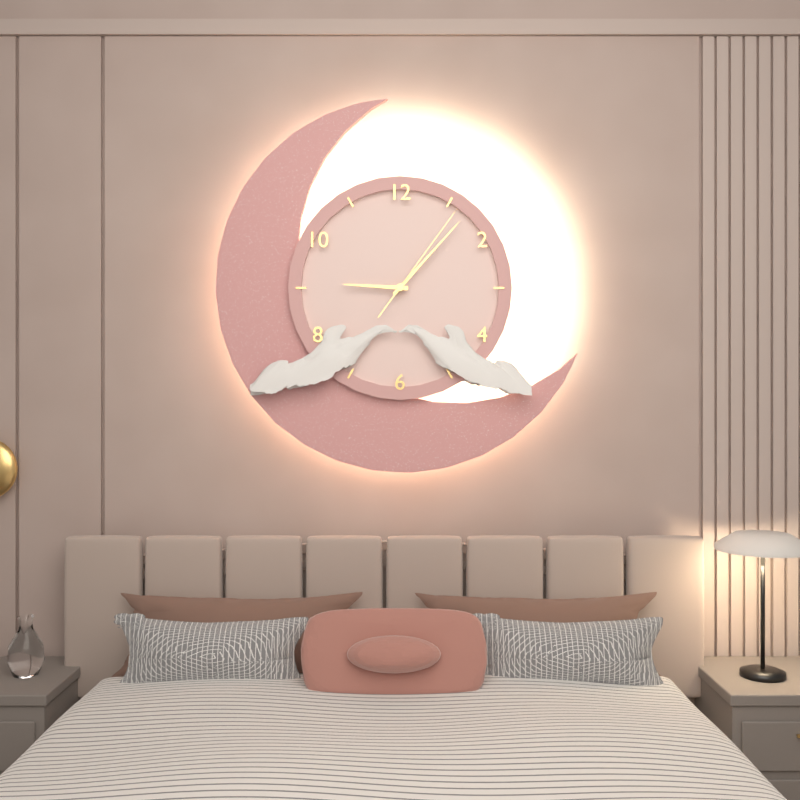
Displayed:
9:07:06
